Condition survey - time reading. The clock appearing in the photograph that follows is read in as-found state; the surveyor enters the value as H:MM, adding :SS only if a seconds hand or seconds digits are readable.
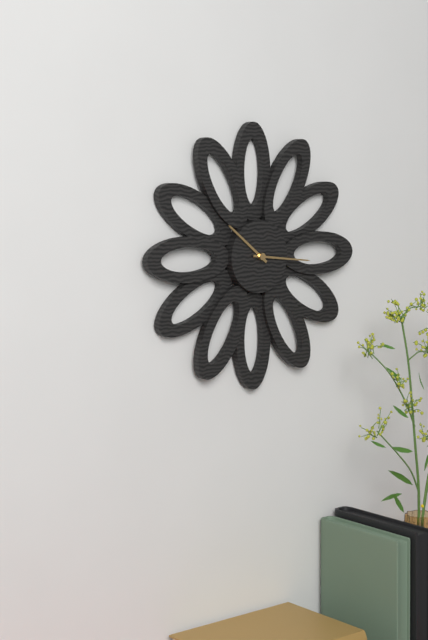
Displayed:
10:16
